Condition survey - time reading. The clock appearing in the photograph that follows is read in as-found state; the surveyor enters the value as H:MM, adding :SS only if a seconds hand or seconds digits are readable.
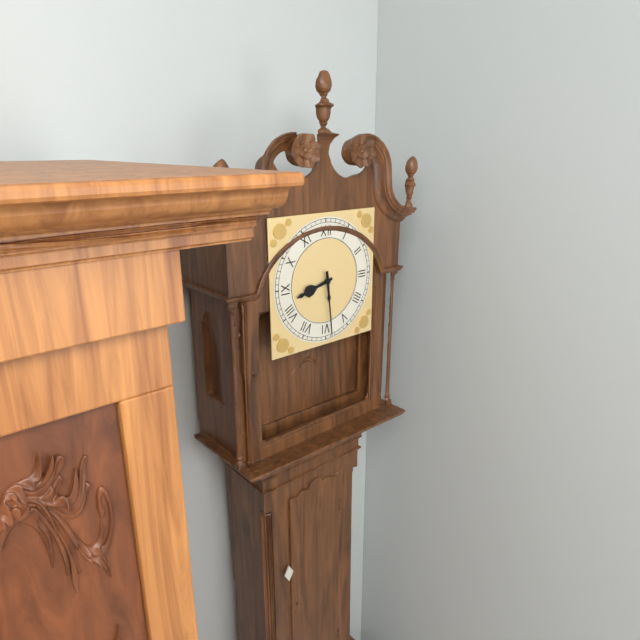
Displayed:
8:29
